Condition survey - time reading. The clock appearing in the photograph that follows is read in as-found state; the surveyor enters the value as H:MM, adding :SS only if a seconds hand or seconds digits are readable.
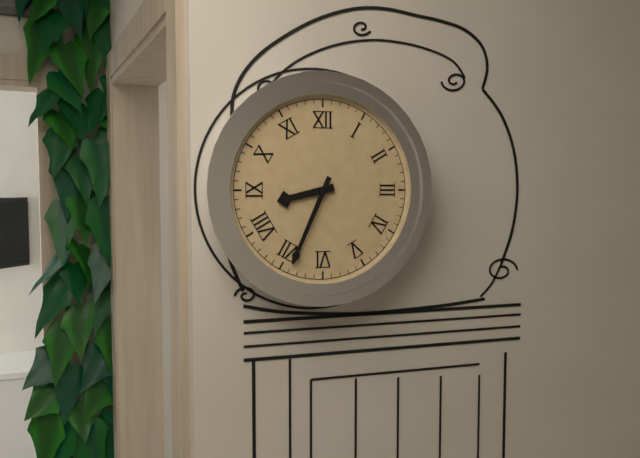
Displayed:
8:34
